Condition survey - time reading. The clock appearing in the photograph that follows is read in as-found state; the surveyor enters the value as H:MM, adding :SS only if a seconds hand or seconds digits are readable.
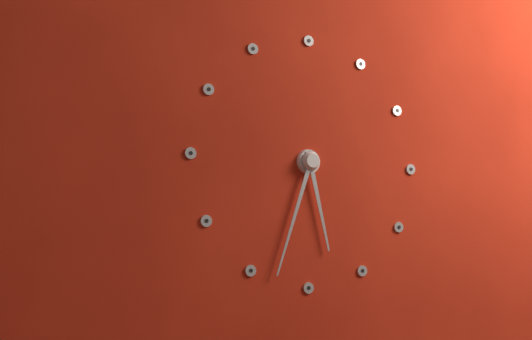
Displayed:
5:33
